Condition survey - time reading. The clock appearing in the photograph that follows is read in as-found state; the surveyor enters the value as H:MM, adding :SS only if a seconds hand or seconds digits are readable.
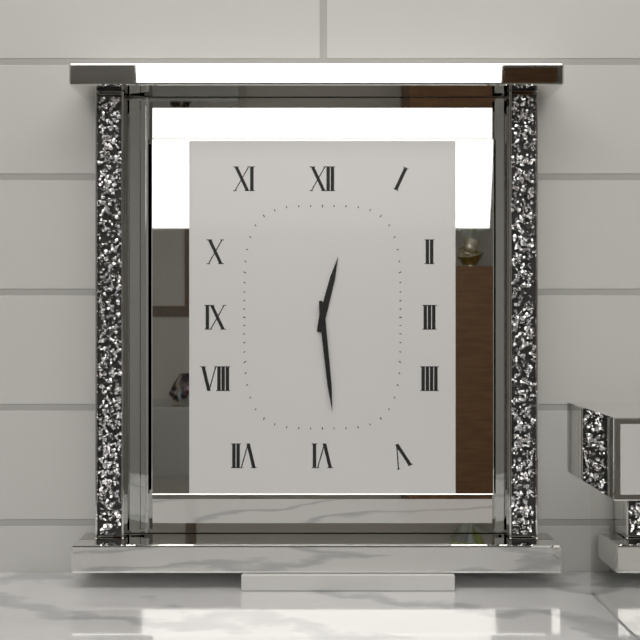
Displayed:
12:29
